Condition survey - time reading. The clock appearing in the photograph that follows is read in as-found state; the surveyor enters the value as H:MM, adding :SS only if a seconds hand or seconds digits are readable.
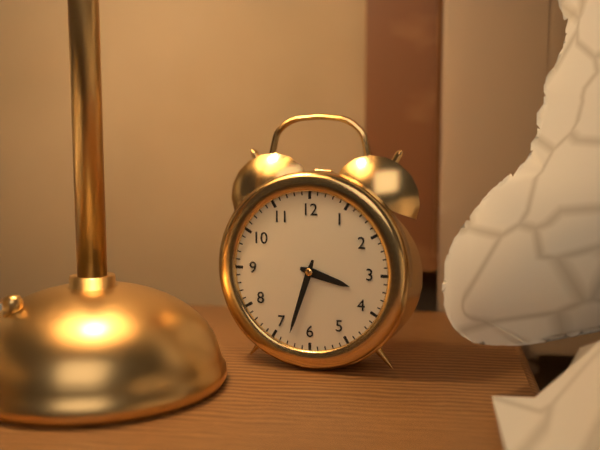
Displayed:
3:33
